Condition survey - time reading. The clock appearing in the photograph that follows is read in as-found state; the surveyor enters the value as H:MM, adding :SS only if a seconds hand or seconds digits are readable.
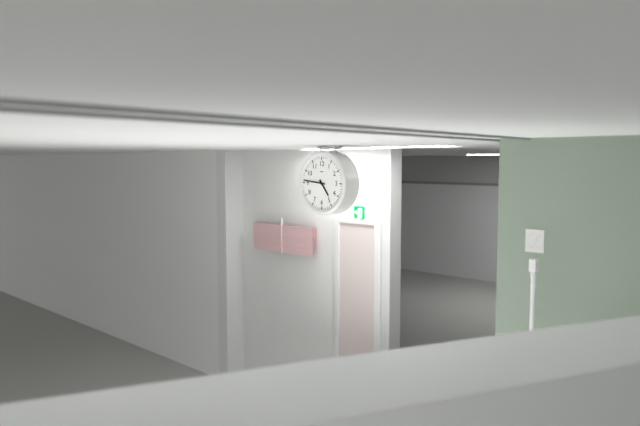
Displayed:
4:46
